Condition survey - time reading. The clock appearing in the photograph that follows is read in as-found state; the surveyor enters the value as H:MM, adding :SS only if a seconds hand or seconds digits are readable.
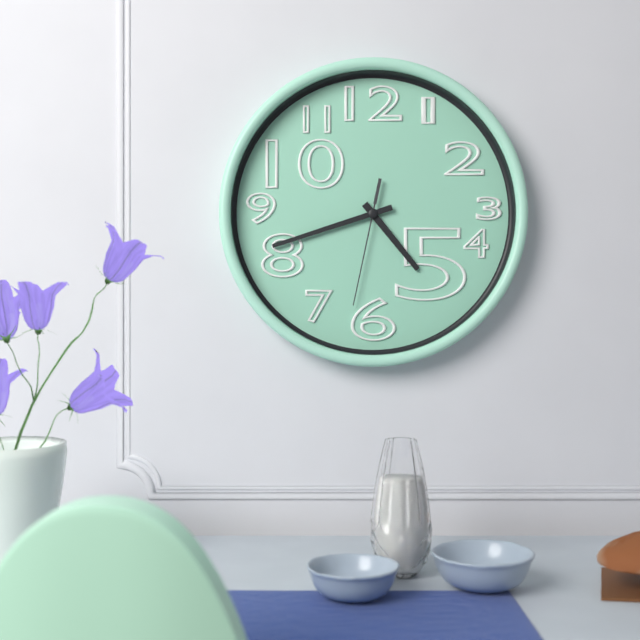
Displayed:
4:42:32
